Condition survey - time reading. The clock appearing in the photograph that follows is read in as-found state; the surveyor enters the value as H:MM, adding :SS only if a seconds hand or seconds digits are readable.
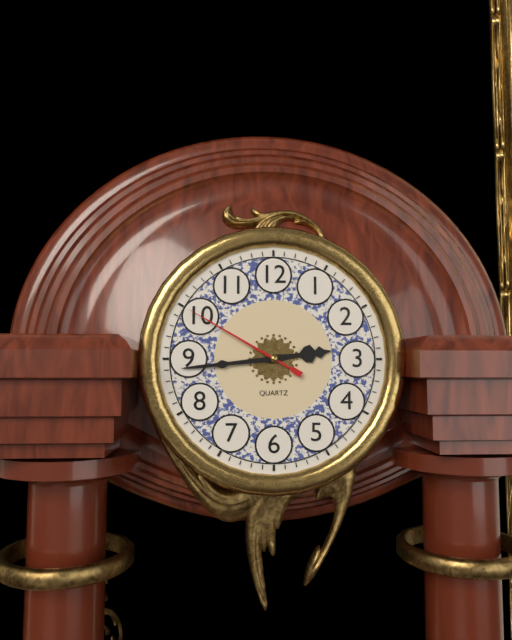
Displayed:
2:44:50
